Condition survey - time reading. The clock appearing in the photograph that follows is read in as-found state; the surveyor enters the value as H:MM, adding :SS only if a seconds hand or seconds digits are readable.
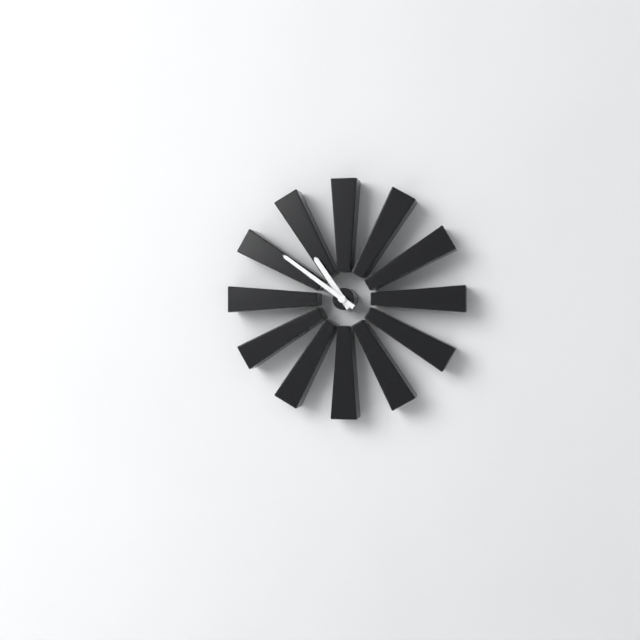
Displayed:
10:51
